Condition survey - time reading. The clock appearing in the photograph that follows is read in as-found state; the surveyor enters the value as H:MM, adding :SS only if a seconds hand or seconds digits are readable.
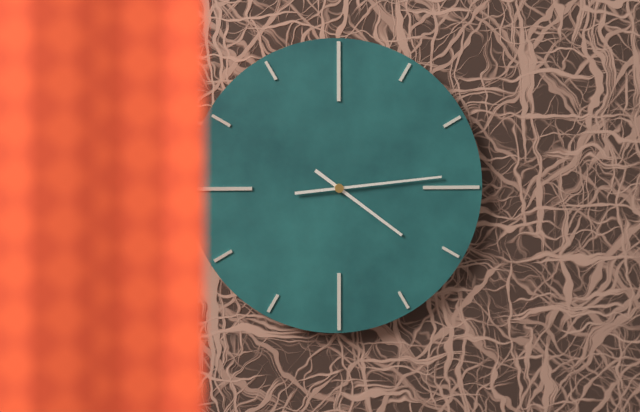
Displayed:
4:14
